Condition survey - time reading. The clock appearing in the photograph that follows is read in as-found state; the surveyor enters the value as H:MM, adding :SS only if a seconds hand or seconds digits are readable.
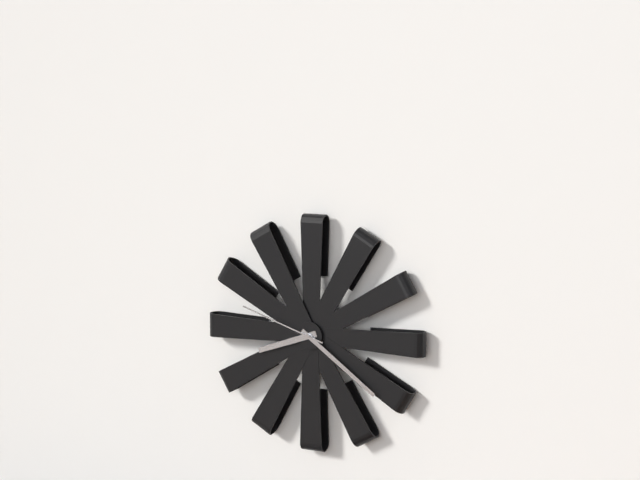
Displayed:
8:21:48
